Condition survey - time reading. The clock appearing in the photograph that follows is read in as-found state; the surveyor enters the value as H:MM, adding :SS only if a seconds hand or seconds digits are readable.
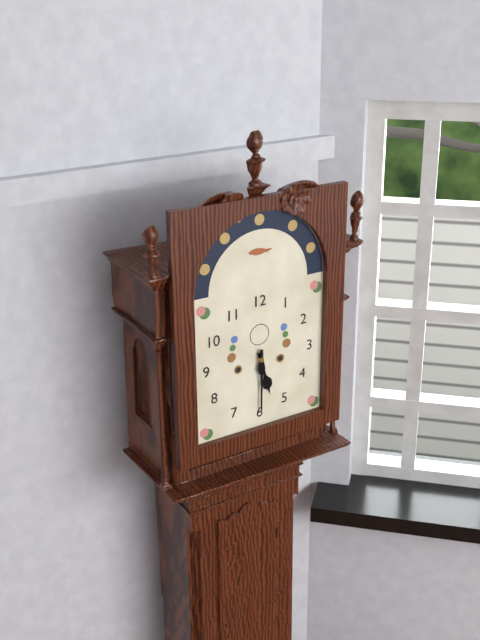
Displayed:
5:30
